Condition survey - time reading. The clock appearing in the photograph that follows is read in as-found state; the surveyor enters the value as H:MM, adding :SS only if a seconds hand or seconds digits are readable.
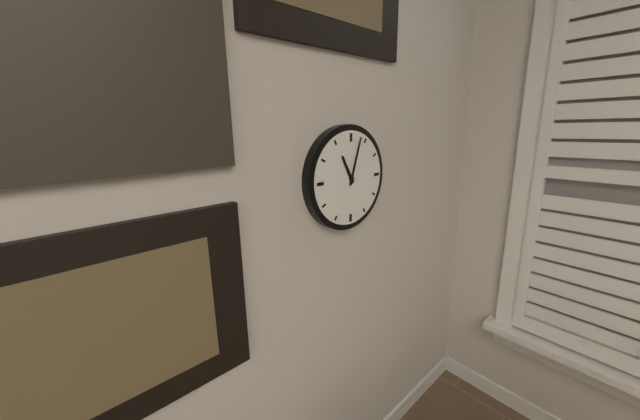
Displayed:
11:03
